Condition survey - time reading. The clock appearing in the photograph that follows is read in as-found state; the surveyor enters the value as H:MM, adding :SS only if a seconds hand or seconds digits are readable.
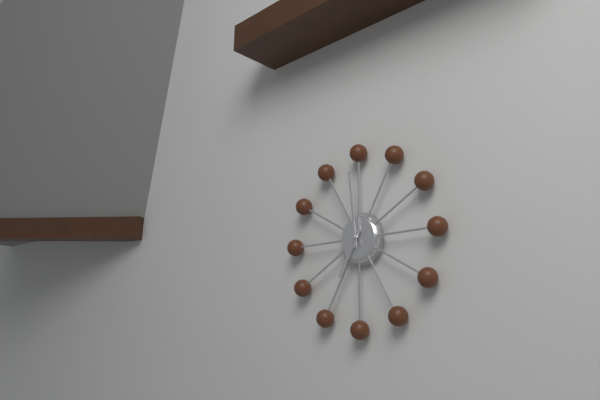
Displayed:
6:59
